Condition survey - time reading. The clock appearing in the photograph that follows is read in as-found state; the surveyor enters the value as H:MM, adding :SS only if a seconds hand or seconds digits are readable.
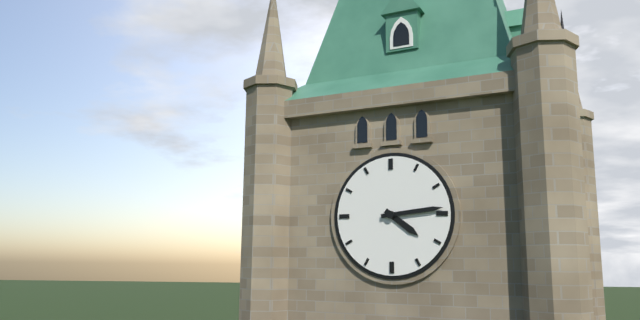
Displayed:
4:14
